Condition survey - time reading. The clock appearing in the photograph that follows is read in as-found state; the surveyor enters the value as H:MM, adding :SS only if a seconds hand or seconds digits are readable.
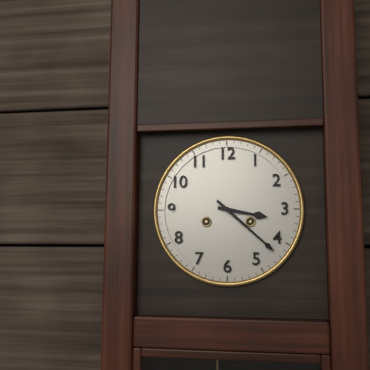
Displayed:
3:22
